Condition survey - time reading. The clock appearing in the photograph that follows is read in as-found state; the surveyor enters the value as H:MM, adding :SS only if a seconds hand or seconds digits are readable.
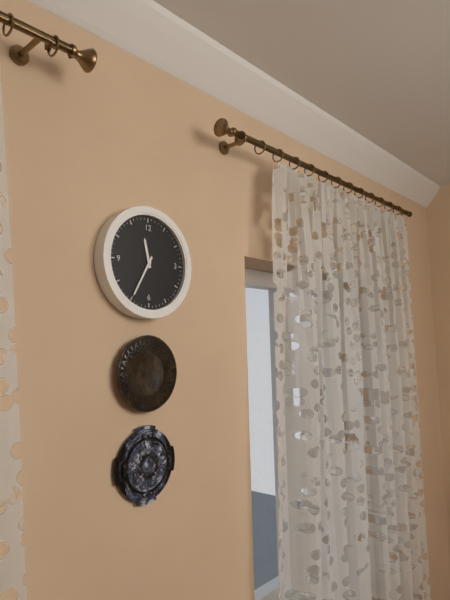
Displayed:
11:35
